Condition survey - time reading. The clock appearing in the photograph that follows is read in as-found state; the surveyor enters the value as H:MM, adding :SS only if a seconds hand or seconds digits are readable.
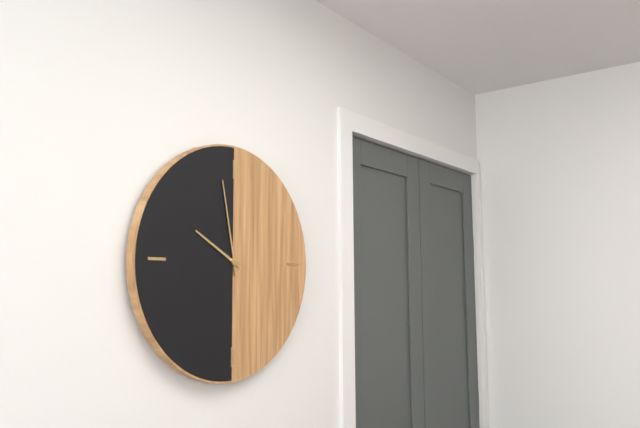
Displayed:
9:58
